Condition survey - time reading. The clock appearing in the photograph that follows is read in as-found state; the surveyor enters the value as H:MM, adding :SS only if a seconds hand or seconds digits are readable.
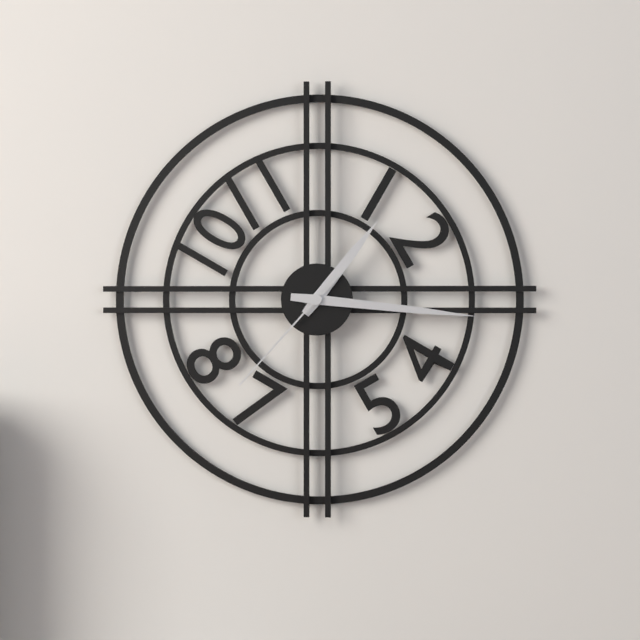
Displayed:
1:16:37
